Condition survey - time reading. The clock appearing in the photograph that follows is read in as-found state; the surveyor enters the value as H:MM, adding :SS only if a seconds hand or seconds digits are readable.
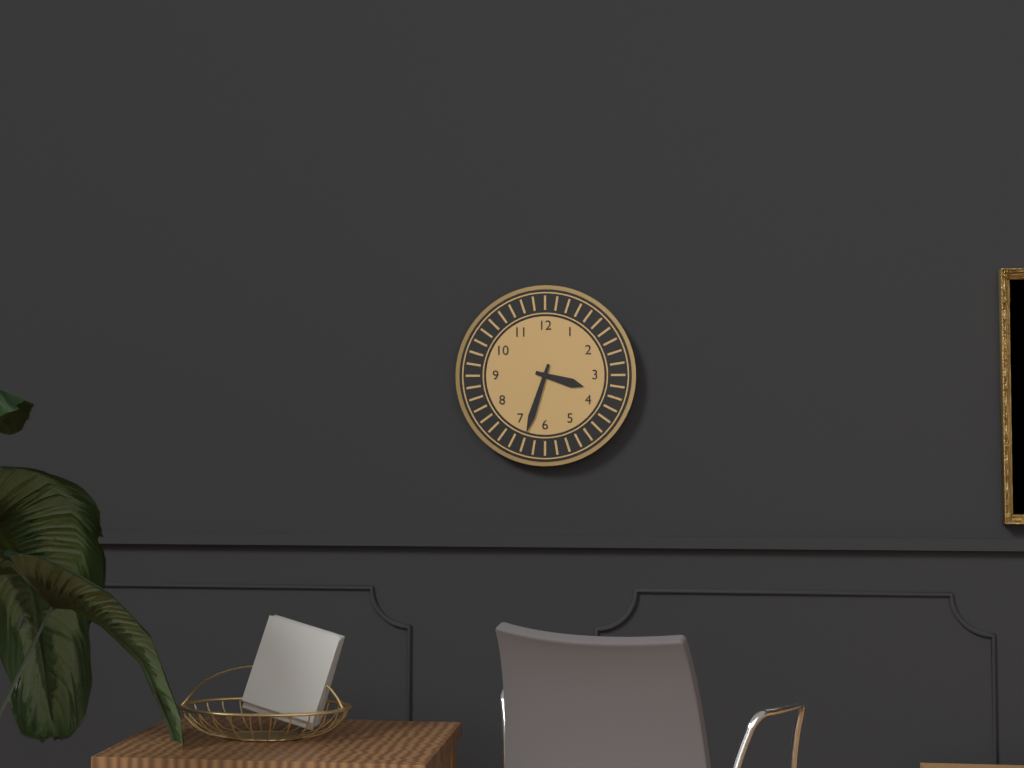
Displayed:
3:33
